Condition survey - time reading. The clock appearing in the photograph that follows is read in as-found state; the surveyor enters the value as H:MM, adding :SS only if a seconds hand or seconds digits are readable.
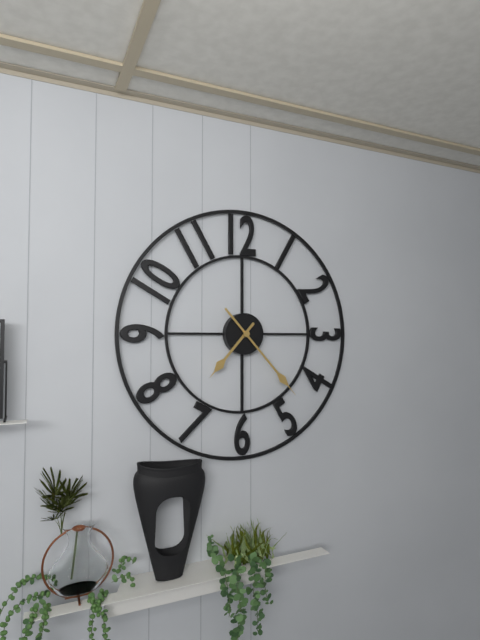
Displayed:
7:23
